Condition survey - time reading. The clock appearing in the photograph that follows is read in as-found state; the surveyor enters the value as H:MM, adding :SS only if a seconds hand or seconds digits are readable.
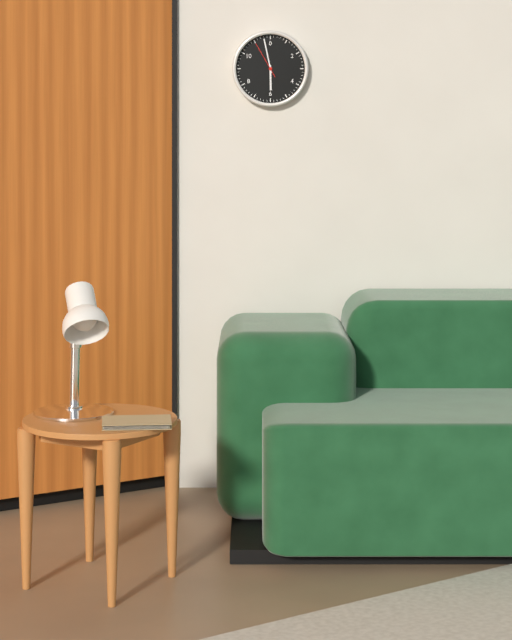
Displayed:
5:58
